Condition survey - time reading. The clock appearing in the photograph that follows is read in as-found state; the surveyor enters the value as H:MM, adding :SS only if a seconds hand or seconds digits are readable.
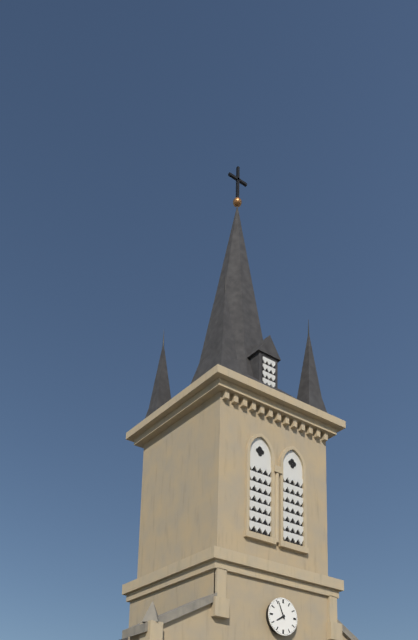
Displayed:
7:56
